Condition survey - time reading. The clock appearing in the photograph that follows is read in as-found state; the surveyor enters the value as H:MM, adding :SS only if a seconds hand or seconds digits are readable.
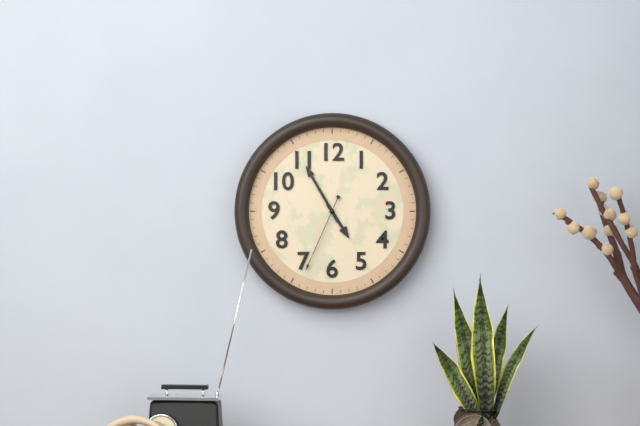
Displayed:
4:55:34
